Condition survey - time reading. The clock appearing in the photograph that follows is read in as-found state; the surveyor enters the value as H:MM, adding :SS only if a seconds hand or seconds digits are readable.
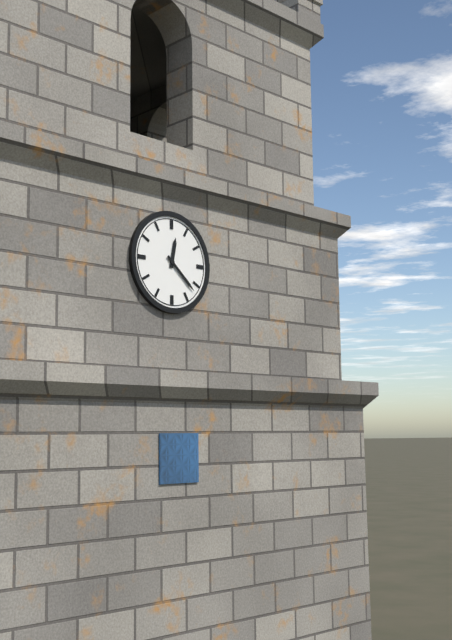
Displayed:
12:22
